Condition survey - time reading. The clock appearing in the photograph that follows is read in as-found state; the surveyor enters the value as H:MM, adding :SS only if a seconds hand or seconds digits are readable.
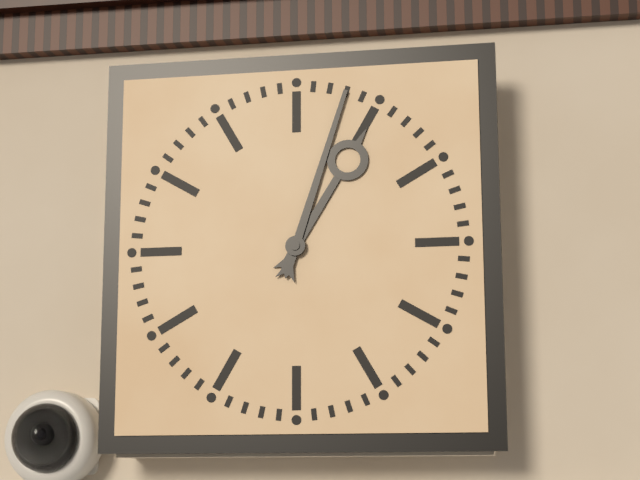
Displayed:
1:03
